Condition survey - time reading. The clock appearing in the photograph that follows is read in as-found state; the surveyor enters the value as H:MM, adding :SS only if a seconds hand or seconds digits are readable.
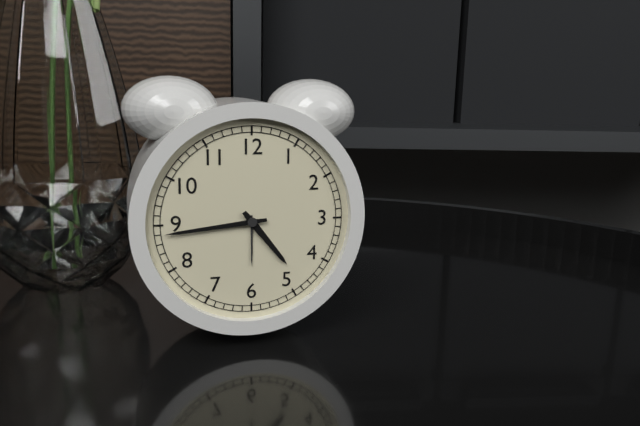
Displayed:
4:44
